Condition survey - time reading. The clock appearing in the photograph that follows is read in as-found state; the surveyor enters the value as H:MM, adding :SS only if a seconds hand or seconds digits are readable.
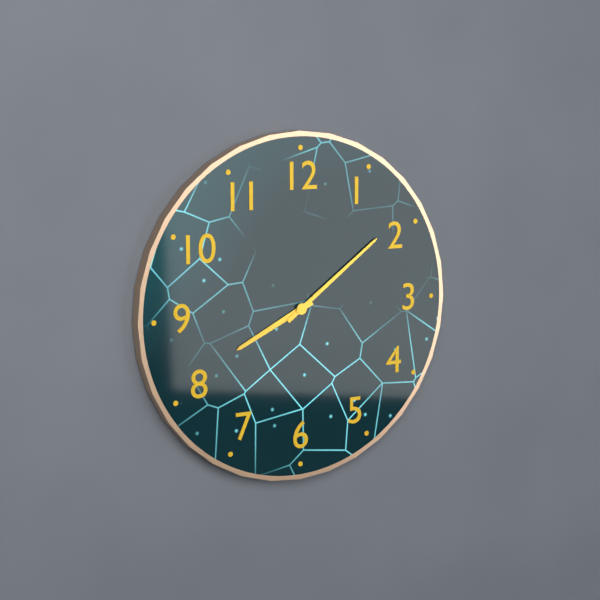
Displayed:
8:09
